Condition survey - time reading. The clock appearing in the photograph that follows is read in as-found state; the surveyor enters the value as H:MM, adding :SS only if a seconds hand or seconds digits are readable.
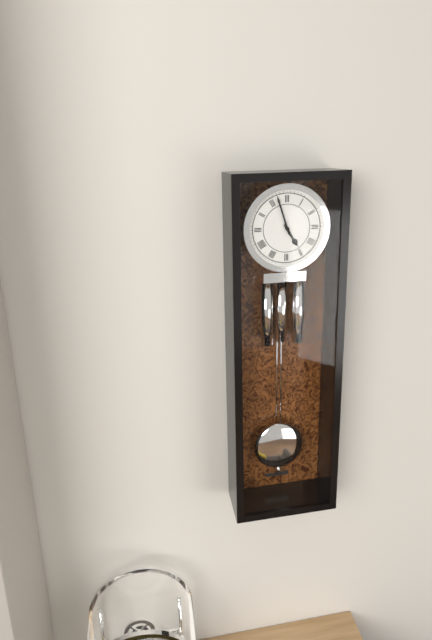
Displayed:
4:57
